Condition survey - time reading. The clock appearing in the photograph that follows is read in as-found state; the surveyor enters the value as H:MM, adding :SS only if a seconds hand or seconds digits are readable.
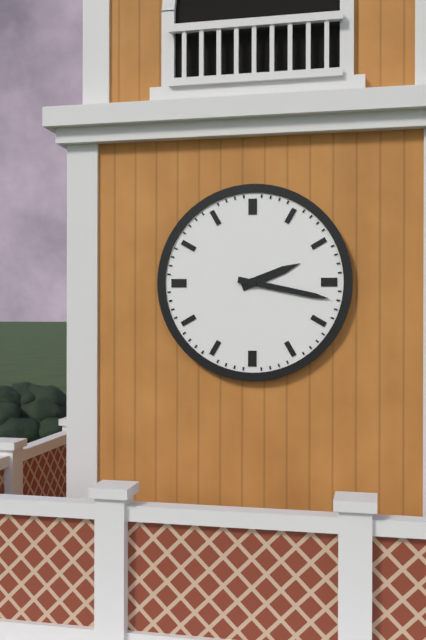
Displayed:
2:17
